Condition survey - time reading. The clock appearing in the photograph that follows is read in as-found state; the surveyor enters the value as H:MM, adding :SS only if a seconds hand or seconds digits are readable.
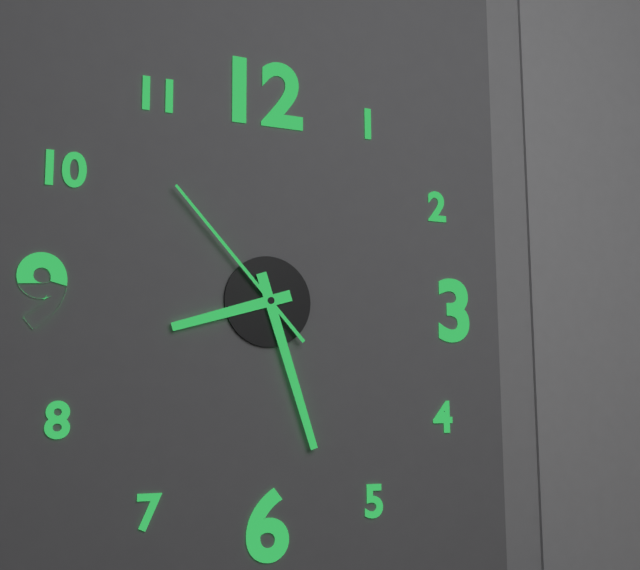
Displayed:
8:27:53
